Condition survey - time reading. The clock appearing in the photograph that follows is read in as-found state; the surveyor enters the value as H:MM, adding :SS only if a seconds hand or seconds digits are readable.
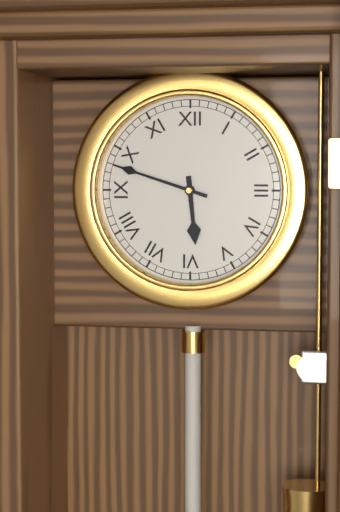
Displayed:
5:48
